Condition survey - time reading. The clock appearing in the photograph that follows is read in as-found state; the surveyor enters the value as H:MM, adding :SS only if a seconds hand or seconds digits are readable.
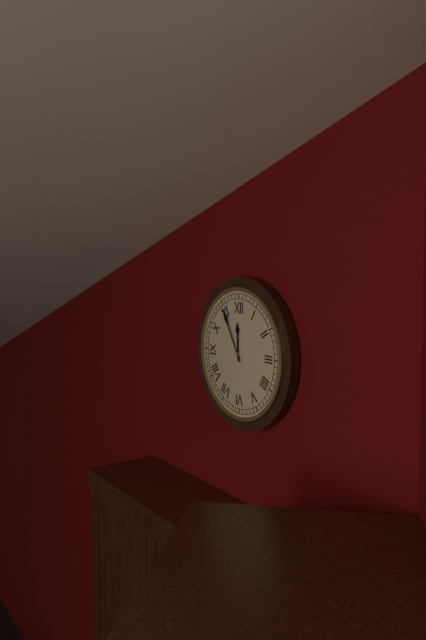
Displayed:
11:55
